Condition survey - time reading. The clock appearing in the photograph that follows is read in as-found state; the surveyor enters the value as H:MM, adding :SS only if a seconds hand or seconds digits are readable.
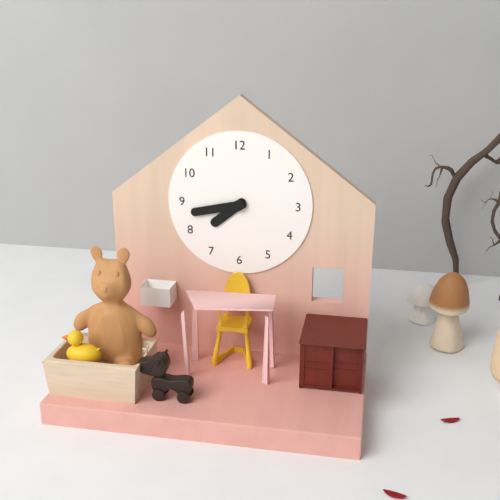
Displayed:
7:43
